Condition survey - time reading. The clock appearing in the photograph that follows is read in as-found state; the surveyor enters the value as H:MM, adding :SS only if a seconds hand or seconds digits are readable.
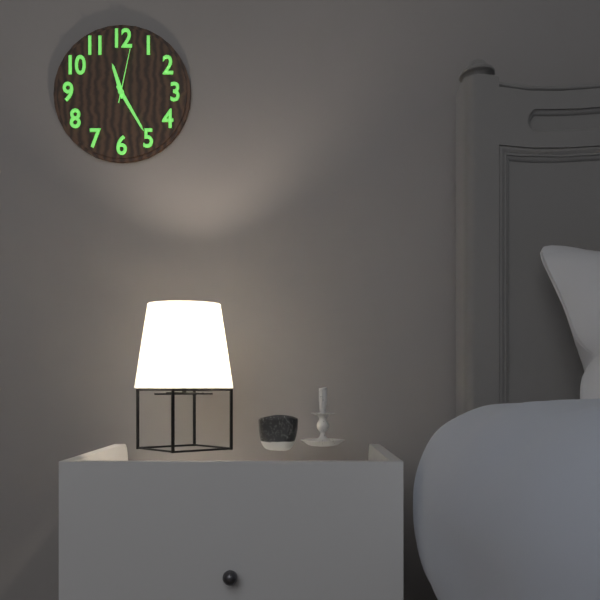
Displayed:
11:25:02
